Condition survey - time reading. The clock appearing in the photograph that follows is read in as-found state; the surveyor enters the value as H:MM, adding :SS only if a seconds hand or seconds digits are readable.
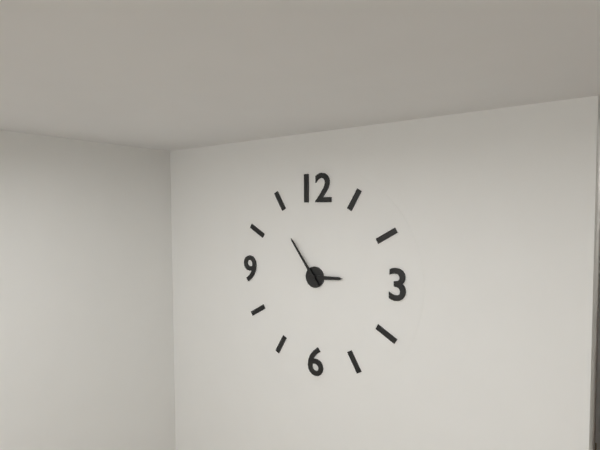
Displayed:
2:54
